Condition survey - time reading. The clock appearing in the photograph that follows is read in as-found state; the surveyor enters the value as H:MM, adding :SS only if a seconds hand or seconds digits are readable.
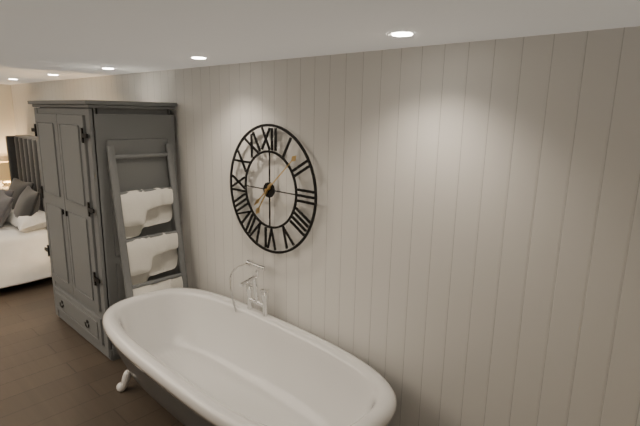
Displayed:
7:08
